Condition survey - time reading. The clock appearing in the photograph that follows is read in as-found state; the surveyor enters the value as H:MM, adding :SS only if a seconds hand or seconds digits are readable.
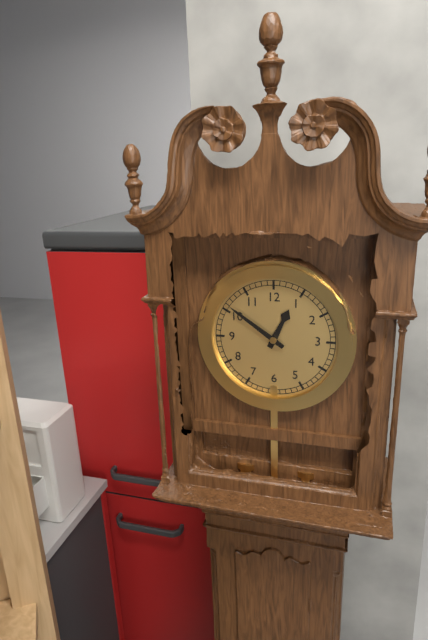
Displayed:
12:51
